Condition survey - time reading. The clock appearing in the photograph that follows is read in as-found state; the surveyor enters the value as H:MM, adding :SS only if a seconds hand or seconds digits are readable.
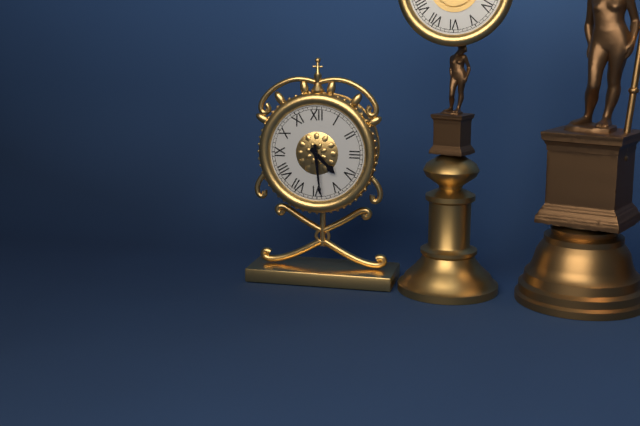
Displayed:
4:29
